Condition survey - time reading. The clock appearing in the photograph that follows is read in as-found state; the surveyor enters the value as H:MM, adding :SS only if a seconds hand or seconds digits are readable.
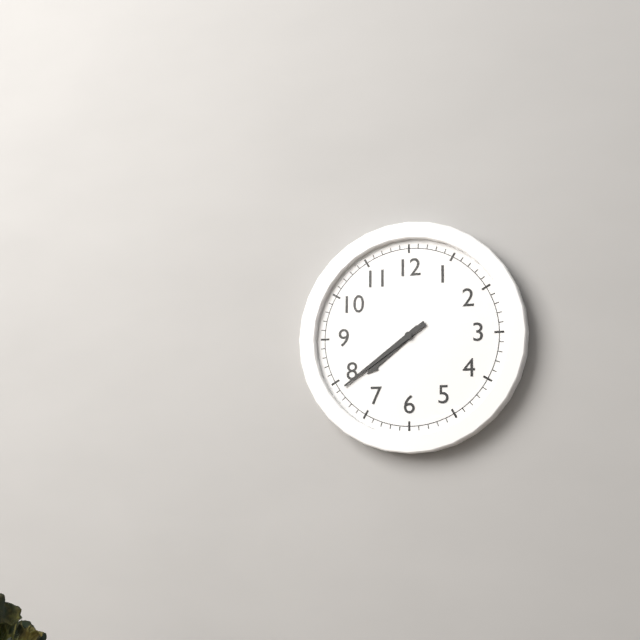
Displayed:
7:39
